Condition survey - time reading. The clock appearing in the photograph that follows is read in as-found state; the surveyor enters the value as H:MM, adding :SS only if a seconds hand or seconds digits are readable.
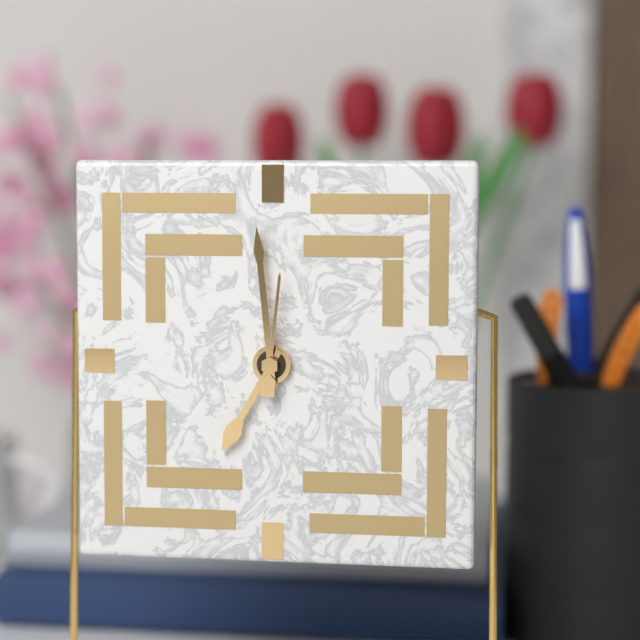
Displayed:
6:59:01
